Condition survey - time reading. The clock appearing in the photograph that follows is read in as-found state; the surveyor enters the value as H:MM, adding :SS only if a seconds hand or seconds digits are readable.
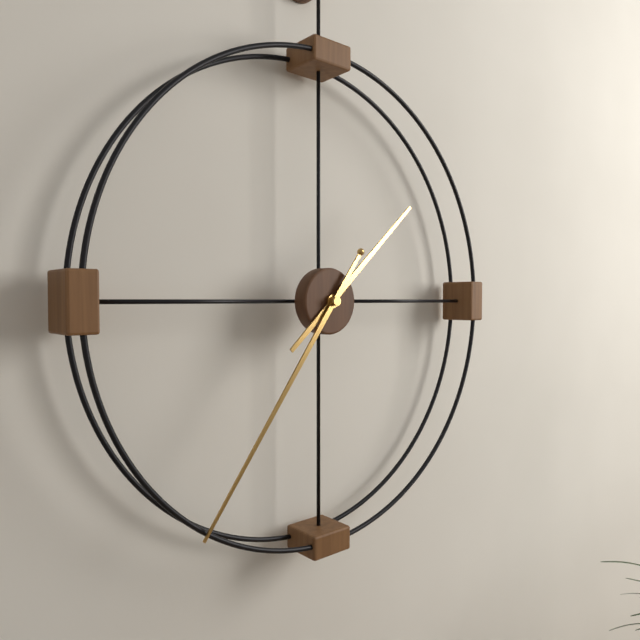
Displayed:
1:36
